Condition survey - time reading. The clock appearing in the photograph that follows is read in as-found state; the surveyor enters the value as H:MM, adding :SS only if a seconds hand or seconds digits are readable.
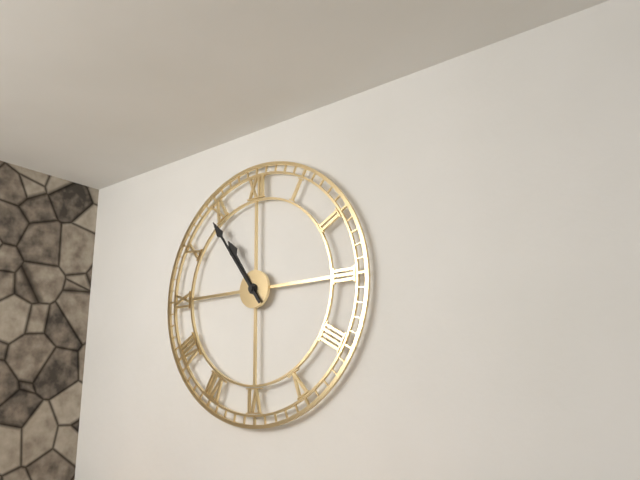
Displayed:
10:54
